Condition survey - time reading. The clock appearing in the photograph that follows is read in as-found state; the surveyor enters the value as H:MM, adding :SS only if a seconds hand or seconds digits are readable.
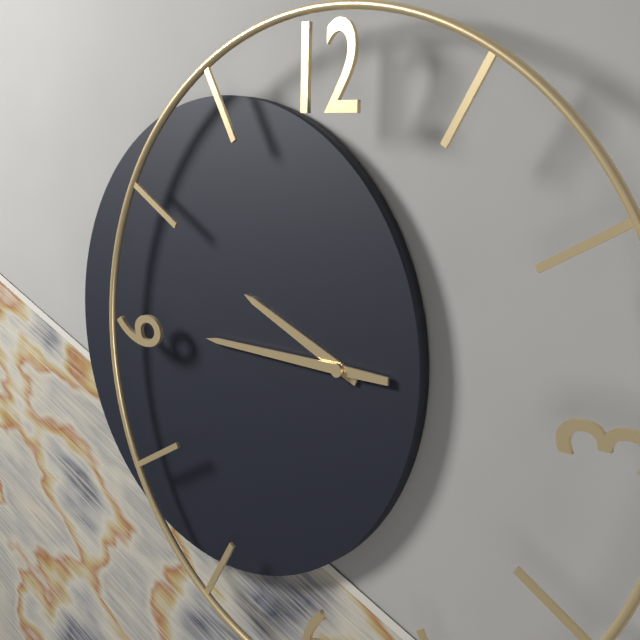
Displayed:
9:45
